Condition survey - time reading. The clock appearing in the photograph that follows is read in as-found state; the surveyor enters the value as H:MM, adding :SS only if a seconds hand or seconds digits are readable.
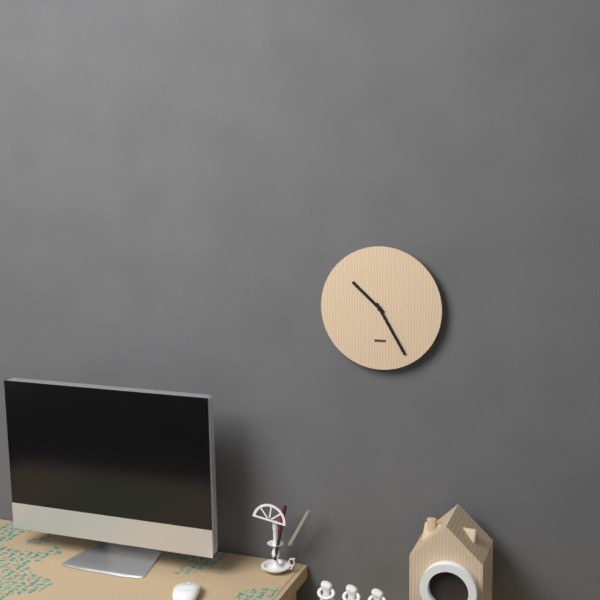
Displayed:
10:25
